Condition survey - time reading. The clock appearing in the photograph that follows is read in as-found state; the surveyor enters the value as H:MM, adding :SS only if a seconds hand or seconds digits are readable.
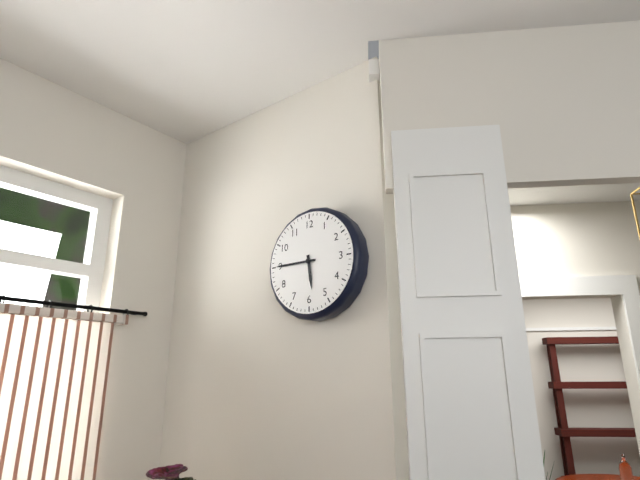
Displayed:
5:45
